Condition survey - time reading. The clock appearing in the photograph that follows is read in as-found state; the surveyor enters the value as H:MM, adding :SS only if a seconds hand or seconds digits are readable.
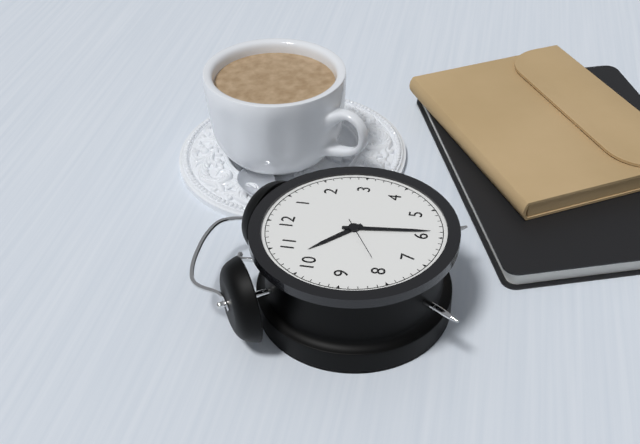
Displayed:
10:29
